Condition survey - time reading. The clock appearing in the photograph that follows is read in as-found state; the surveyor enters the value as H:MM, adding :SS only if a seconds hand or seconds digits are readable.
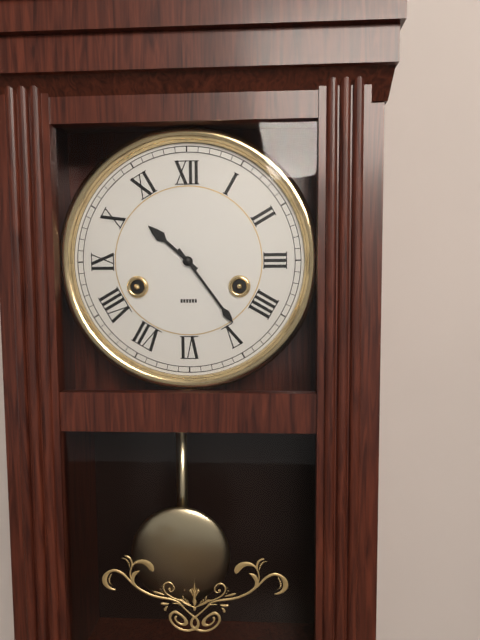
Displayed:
10:24
